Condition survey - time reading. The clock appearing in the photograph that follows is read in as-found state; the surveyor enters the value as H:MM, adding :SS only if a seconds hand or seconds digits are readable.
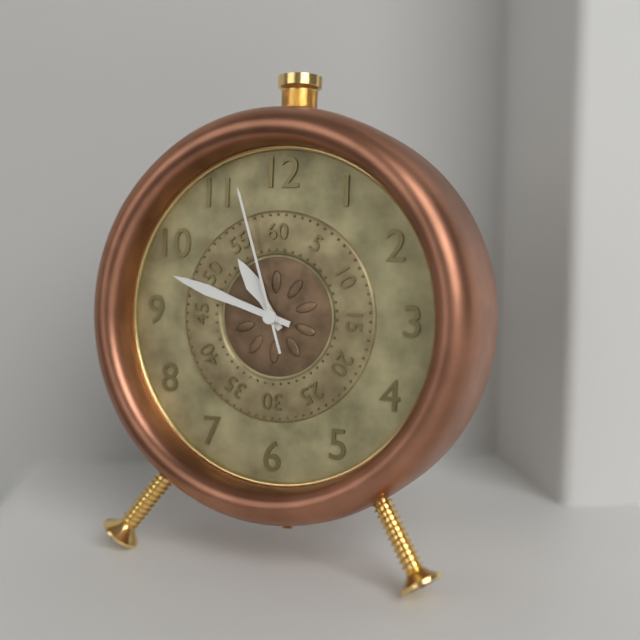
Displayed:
10:48:57
